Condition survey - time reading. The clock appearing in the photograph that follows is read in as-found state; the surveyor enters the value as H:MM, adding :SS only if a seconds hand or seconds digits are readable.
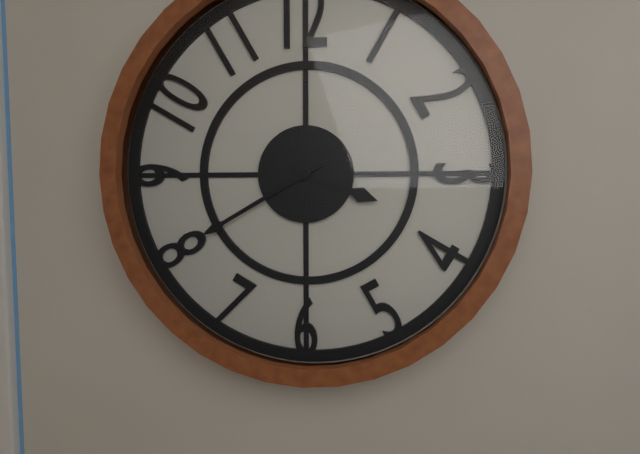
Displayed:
3:40
